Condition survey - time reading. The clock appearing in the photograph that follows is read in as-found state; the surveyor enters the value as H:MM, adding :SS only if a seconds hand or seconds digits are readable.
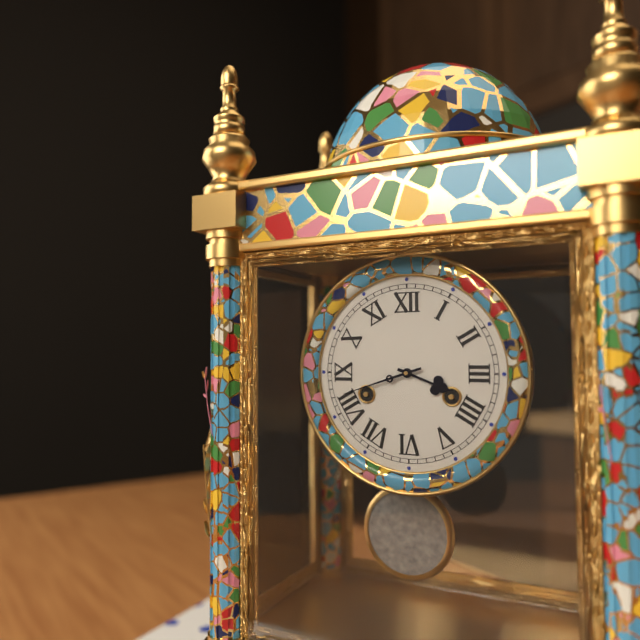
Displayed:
3:42
